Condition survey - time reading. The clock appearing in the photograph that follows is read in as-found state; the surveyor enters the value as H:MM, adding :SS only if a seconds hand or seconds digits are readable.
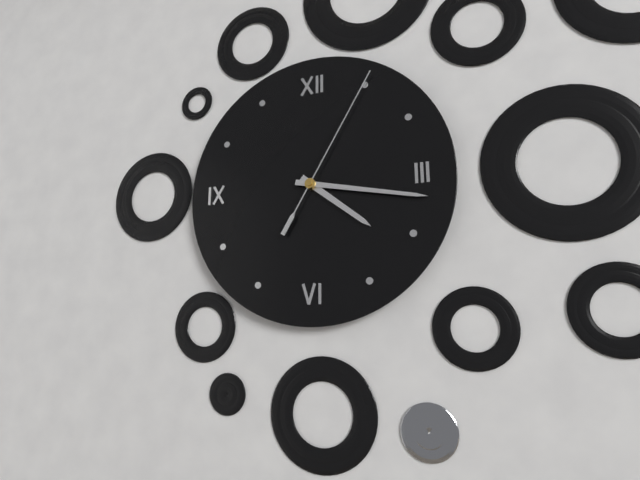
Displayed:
4:17:05
